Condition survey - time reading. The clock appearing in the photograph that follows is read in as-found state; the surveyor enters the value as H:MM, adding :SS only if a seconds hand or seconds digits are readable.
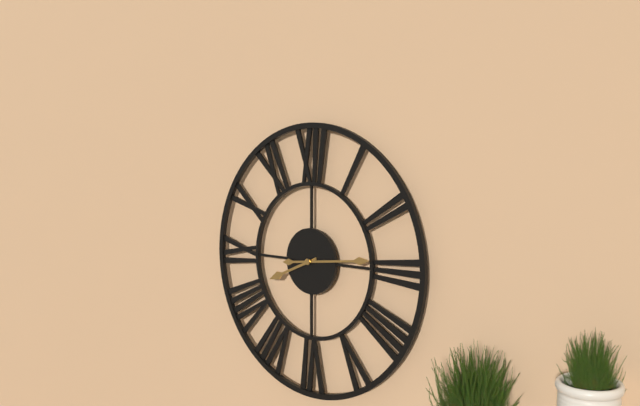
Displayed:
8:14
